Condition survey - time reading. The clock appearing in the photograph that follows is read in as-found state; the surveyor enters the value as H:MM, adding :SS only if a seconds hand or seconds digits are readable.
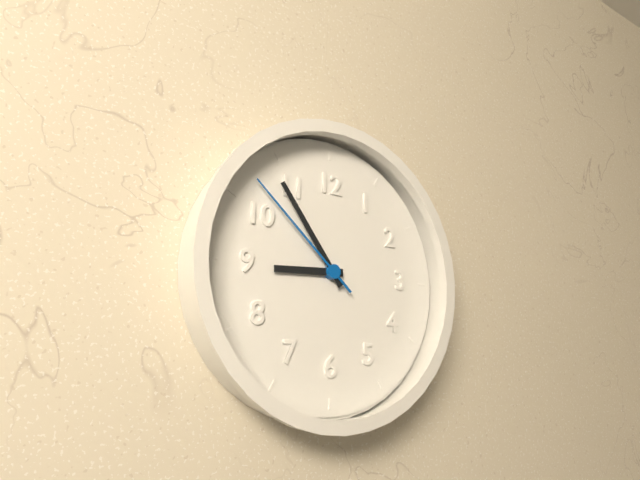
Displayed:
8:54:52
